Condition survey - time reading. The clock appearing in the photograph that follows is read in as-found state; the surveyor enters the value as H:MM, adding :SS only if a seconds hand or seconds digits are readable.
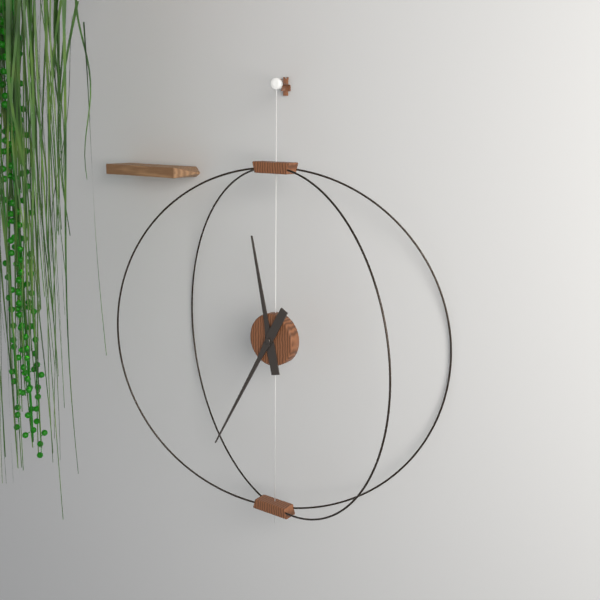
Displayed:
11:35
